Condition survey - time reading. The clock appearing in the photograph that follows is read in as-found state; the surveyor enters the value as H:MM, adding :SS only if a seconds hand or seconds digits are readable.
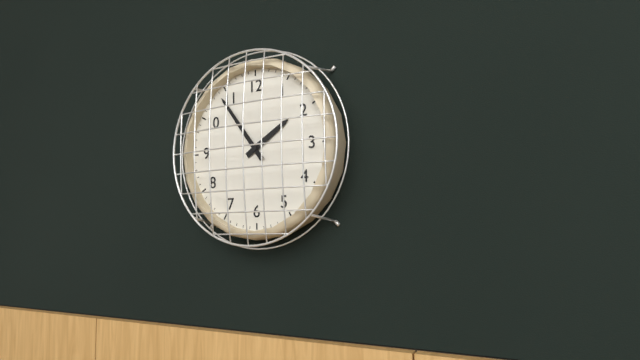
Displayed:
1:54
